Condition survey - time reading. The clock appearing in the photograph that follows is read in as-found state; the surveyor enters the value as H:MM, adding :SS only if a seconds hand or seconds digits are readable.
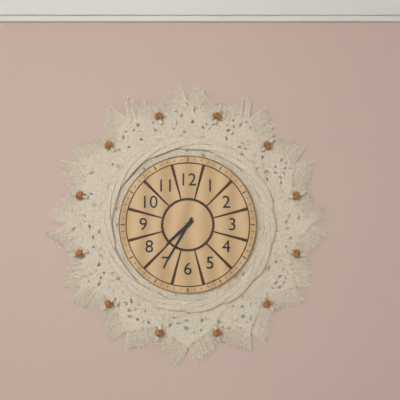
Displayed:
7:35
